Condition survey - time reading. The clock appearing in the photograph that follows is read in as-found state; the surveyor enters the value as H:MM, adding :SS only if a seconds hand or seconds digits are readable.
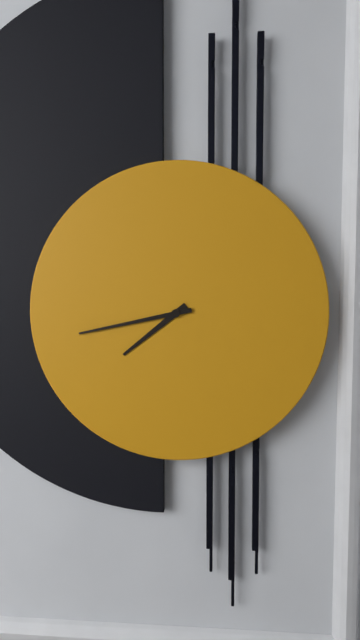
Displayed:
7:43
